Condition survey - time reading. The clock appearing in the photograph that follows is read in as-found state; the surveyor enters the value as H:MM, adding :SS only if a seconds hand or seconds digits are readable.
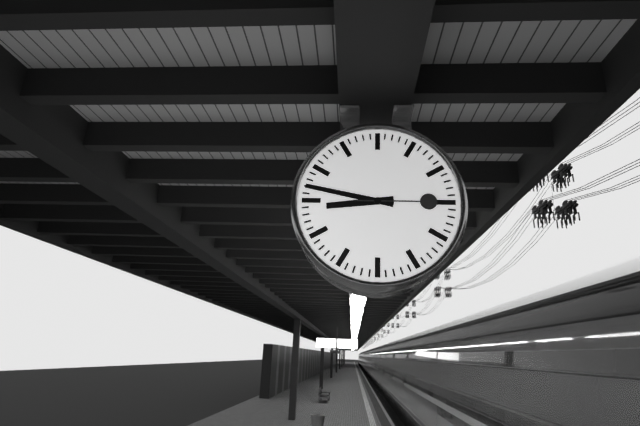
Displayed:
8:47:15
